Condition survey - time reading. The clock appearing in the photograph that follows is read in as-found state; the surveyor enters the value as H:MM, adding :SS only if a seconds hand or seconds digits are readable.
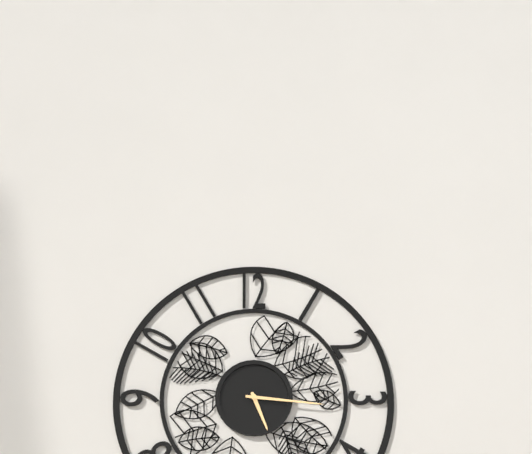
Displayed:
5:16
